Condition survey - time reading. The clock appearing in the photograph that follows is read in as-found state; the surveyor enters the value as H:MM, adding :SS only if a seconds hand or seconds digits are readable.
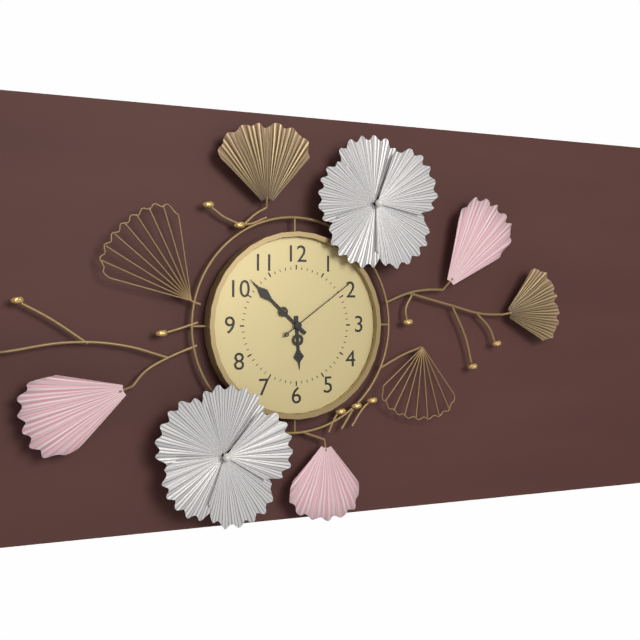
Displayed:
5:52:09
